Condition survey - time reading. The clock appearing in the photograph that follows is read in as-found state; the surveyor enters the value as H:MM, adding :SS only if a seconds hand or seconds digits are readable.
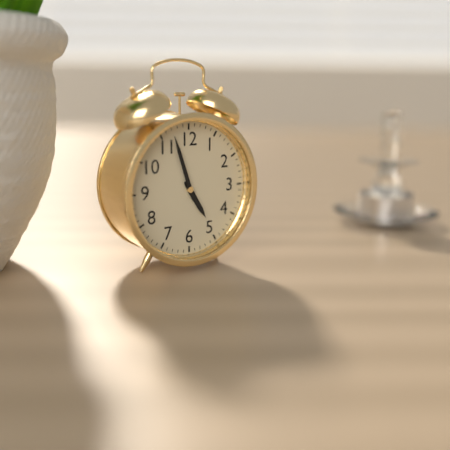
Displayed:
4:57
